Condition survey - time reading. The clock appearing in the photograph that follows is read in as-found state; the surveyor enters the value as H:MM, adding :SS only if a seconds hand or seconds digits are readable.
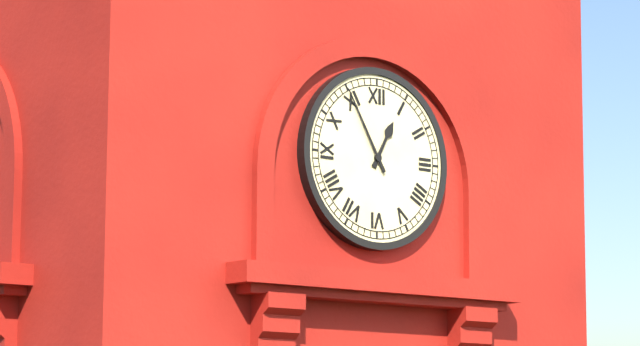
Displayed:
12:55
